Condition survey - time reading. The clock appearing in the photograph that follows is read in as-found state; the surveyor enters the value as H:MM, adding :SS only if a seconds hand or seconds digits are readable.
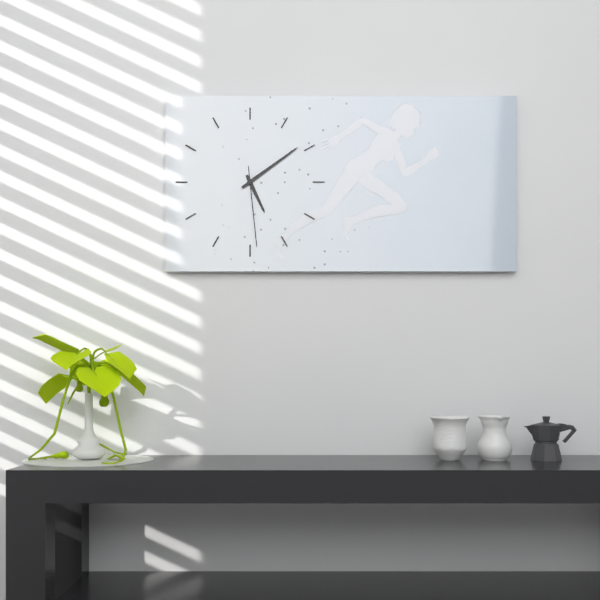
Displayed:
5:09:29
